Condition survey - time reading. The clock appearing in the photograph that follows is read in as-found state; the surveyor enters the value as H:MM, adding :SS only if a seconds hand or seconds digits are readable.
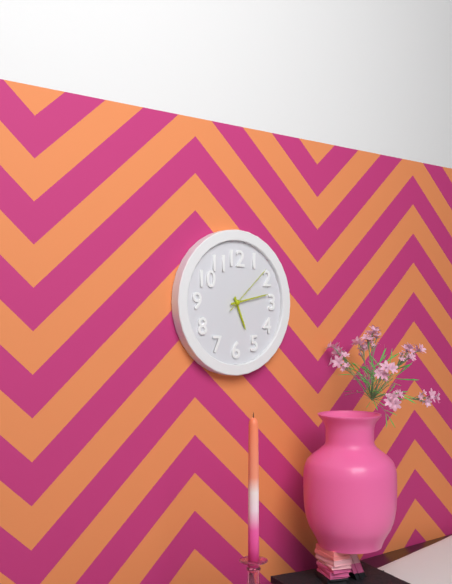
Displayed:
5:13:08
